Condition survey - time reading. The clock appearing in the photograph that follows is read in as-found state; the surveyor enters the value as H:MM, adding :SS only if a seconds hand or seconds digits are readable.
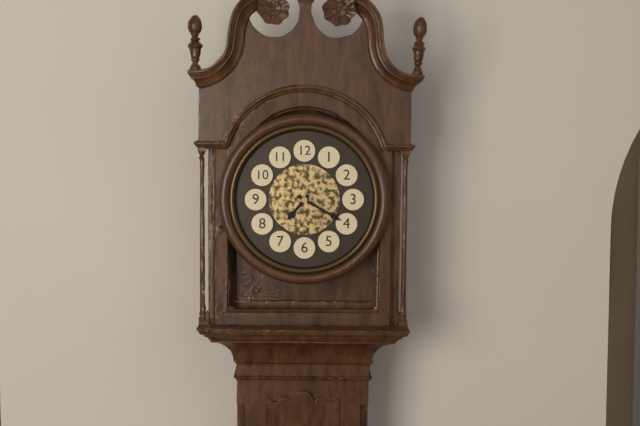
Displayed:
7:20
